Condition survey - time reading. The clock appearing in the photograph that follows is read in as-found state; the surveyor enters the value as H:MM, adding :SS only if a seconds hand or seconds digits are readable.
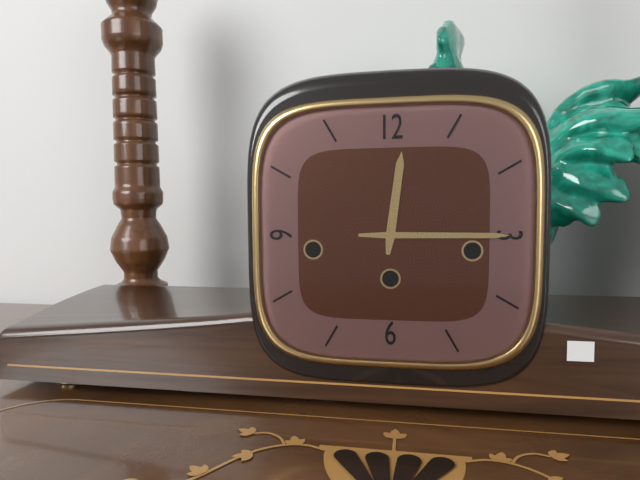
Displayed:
12:15
